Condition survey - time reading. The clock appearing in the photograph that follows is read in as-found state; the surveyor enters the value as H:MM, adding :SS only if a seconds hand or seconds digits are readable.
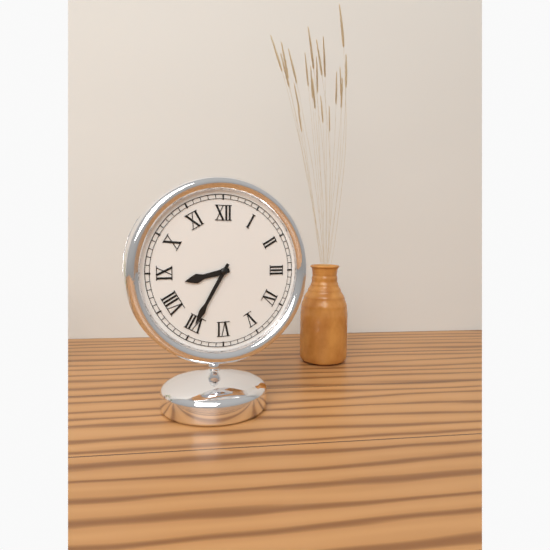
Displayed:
8:35
